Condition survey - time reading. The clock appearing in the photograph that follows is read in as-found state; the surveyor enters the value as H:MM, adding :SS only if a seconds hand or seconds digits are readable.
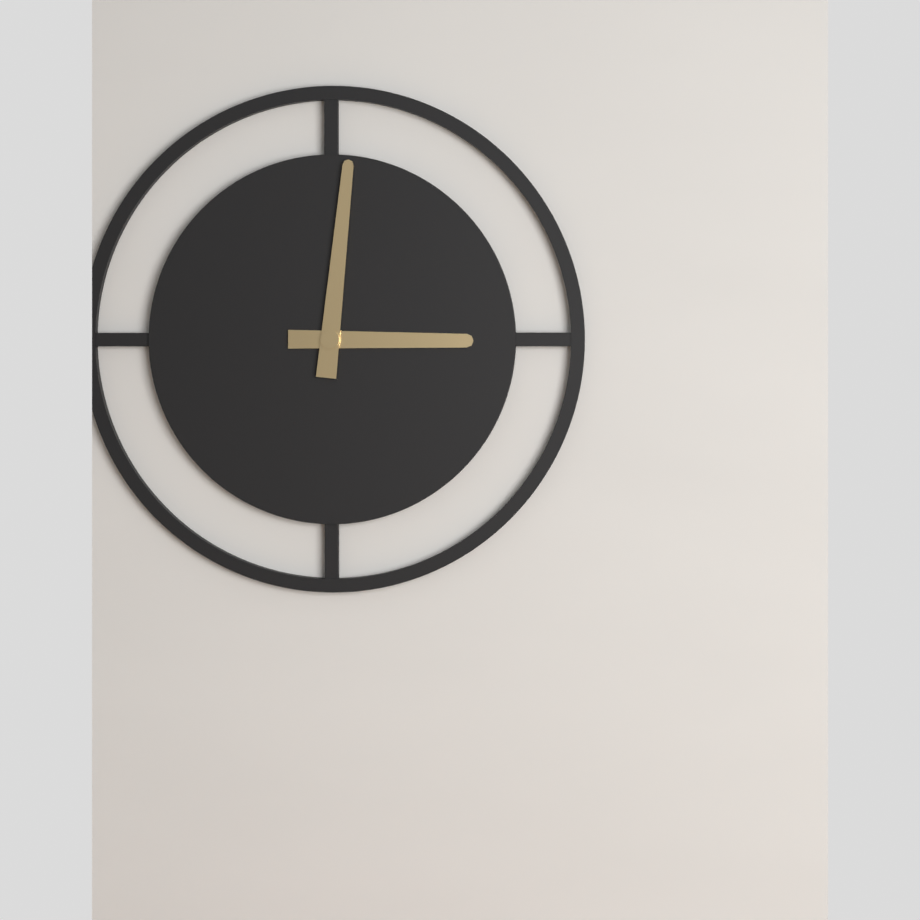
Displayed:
3:01
